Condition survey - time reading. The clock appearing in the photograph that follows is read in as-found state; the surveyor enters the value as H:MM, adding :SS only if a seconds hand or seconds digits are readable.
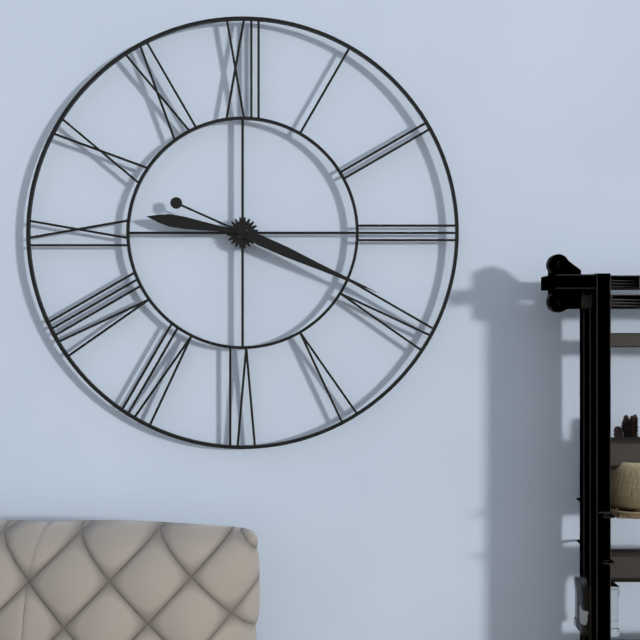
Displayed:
9:19
